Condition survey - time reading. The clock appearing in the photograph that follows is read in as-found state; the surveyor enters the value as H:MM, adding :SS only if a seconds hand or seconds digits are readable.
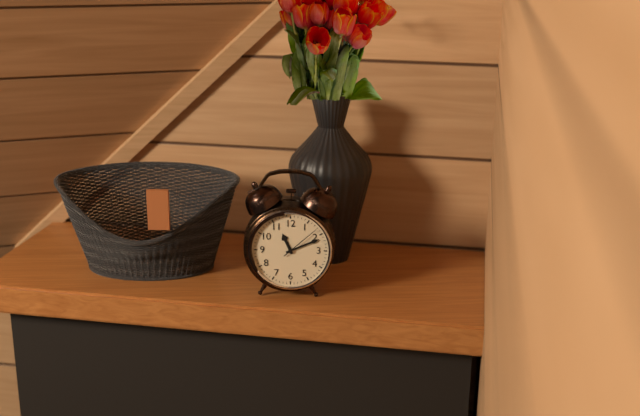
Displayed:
11:11
